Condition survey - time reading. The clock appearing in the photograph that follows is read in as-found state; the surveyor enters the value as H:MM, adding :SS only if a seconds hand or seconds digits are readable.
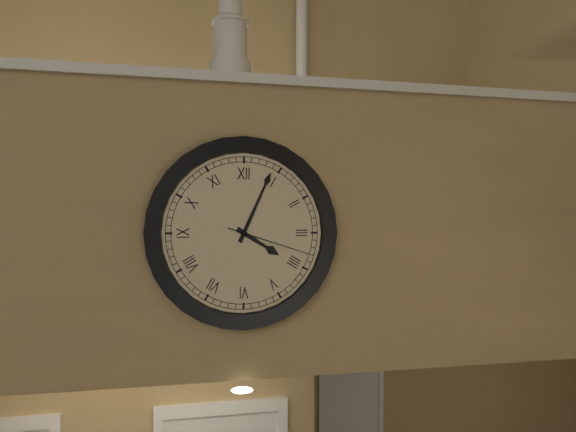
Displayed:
4:04:18
